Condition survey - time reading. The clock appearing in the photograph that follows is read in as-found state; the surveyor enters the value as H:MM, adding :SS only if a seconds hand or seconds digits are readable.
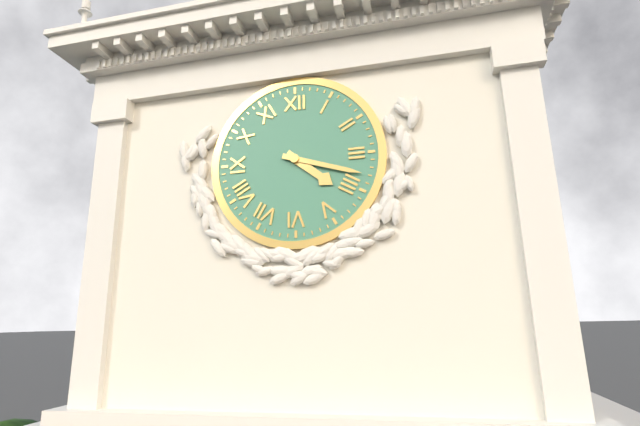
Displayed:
4:18
